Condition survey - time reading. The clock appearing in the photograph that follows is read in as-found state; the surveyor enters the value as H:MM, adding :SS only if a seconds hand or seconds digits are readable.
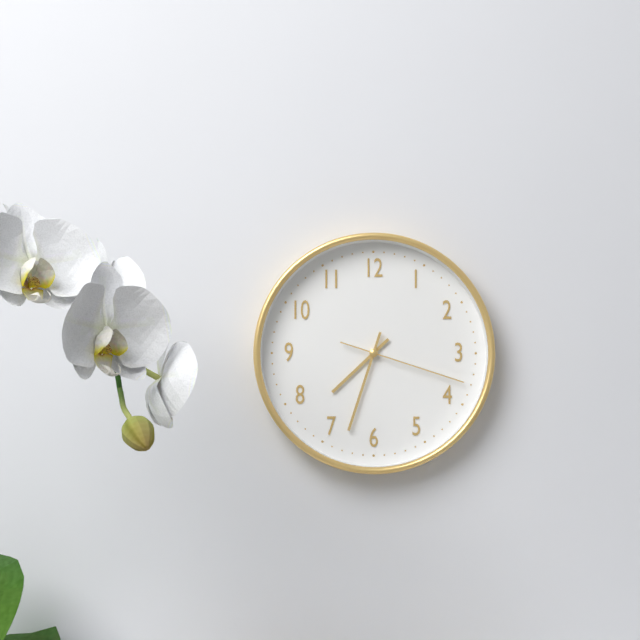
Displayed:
7:33:18
